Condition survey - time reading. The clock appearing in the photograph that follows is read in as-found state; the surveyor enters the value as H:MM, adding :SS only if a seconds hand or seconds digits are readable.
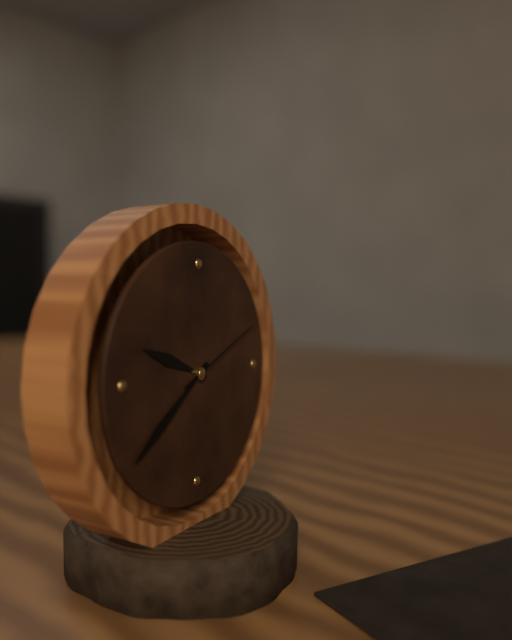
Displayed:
9:39:11
